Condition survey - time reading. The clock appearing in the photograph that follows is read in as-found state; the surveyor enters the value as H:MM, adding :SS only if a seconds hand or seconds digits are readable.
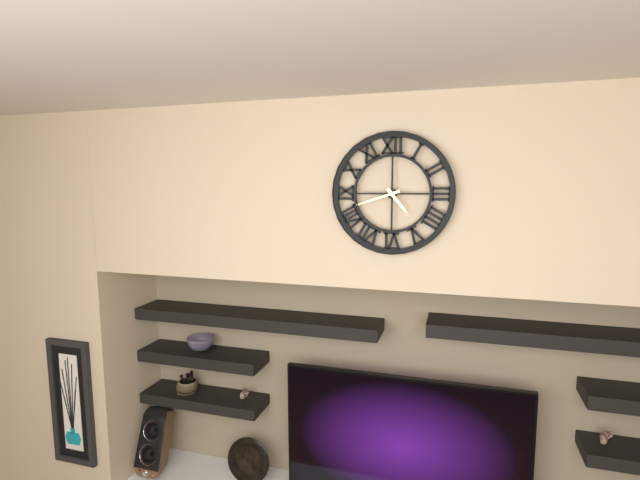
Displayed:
4:42
